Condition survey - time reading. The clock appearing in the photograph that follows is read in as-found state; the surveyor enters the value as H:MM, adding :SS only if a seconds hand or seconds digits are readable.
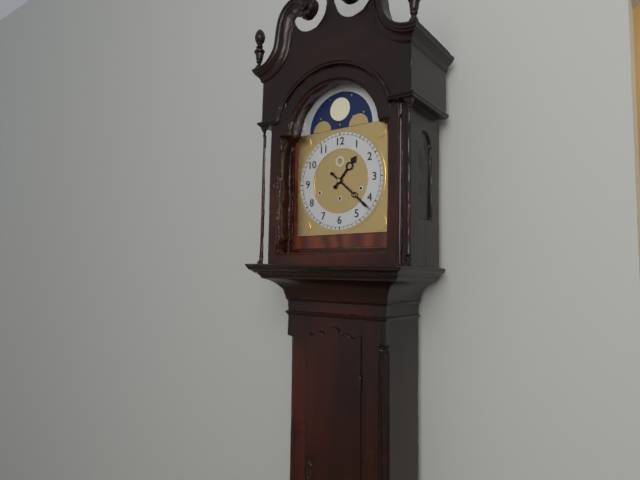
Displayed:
1:22
